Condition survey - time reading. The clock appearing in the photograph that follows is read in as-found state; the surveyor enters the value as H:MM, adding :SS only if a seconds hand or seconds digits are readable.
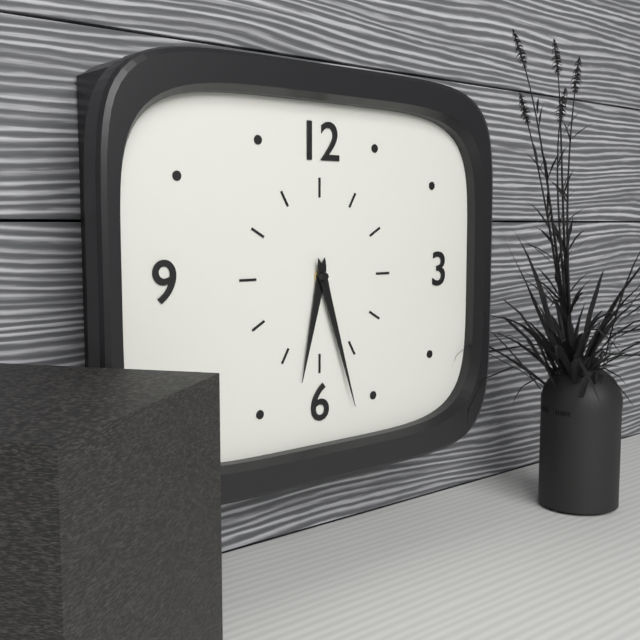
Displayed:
6:27
